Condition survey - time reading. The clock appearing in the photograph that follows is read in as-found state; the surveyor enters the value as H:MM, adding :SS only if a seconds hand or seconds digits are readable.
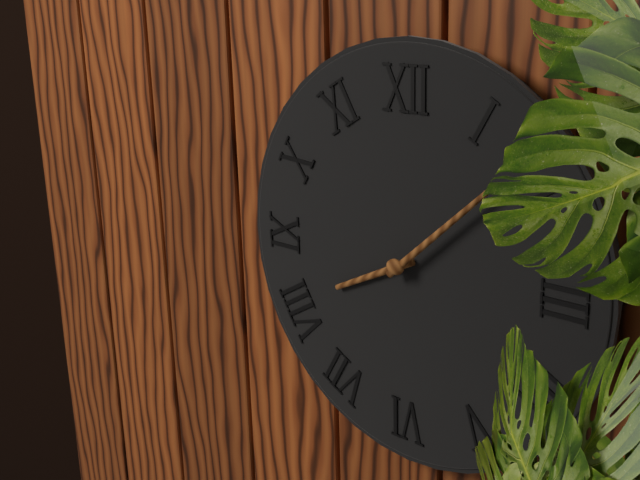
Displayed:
8:08
